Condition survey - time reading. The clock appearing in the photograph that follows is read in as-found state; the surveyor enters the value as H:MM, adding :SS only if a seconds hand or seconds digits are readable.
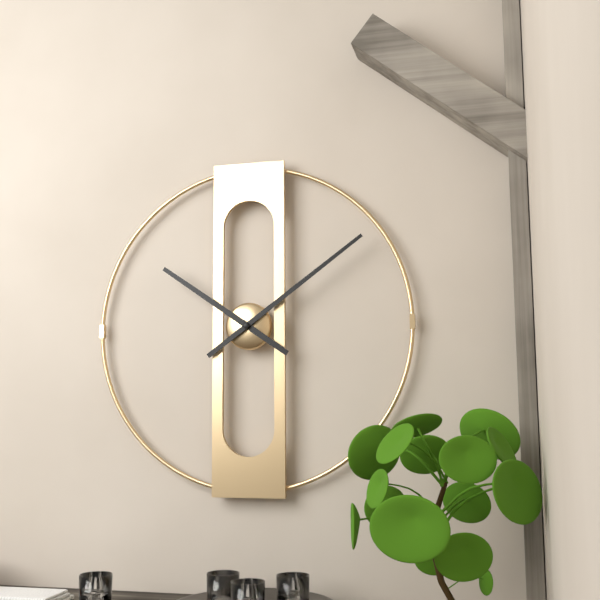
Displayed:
10:09
